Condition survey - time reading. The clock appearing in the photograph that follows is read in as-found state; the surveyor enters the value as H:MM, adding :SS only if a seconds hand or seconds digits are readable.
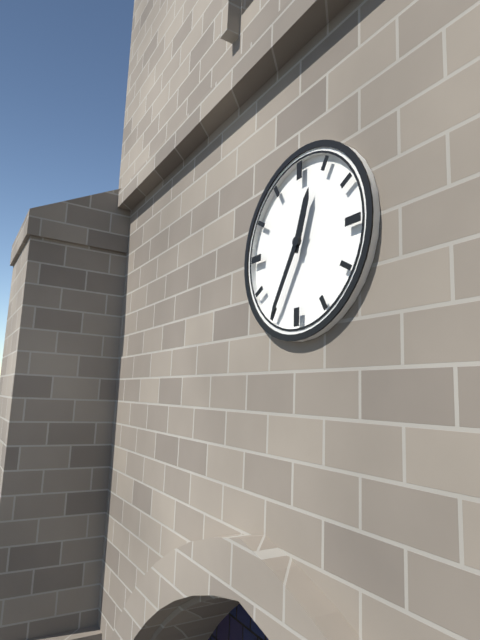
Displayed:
12:35
